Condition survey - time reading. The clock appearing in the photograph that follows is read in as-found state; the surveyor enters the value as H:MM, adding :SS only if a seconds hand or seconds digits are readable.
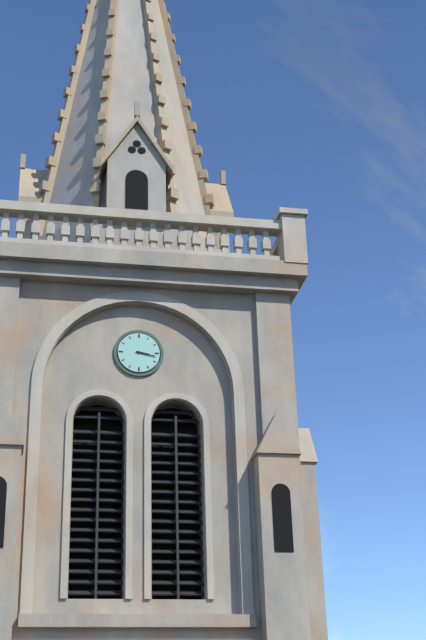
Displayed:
3:17
